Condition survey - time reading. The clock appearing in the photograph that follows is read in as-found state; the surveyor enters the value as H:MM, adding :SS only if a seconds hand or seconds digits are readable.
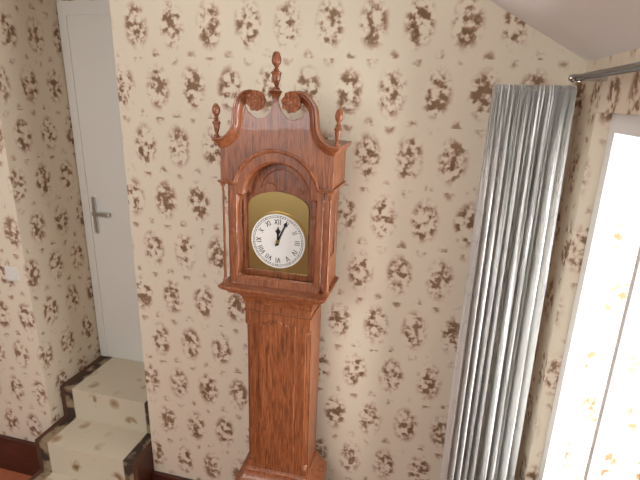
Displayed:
12:04
